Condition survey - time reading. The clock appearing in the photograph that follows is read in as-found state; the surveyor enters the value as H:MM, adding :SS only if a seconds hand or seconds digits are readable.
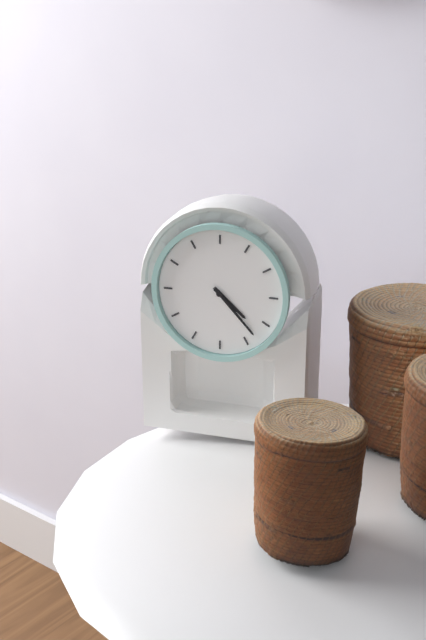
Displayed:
4:23
